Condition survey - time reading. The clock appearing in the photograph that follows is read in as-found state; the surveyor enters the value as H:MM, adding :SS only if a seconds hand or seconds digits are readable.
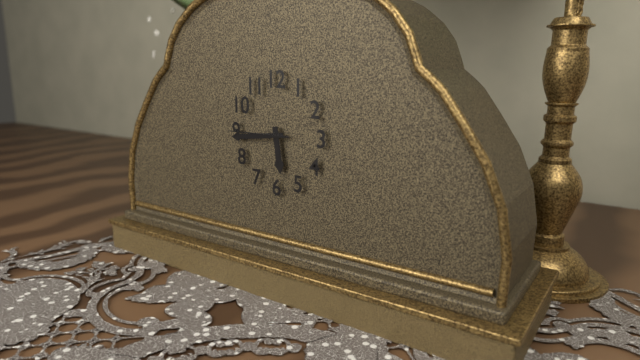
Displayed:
5:44:45
